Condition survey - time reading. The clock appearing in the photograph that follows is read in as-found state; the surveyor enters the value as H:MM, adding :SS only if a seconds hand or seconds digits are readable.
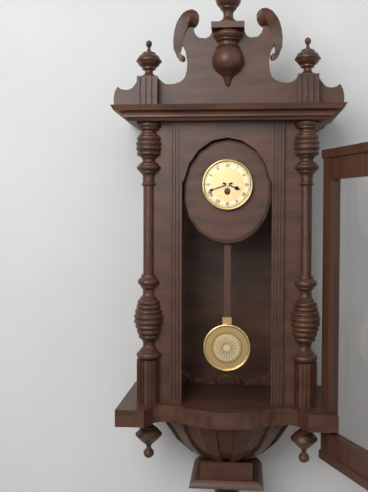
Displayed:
3:42
